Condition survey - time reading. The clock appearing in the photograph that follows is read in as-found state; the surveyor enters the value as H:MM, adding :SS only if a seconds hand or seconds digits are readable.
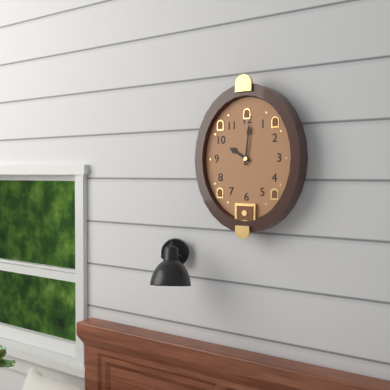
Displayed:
10:01
